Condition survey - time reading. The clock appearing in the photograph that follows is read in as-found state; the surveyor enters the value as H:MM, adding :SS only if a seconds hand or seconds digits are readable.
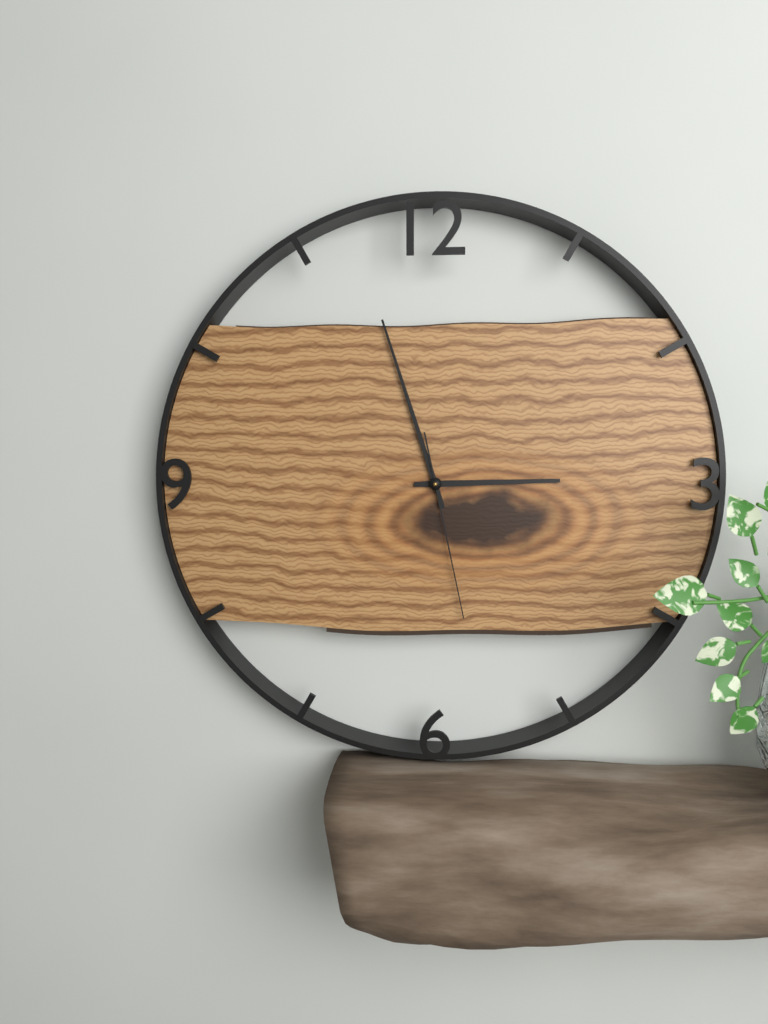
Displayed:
2:57:28
